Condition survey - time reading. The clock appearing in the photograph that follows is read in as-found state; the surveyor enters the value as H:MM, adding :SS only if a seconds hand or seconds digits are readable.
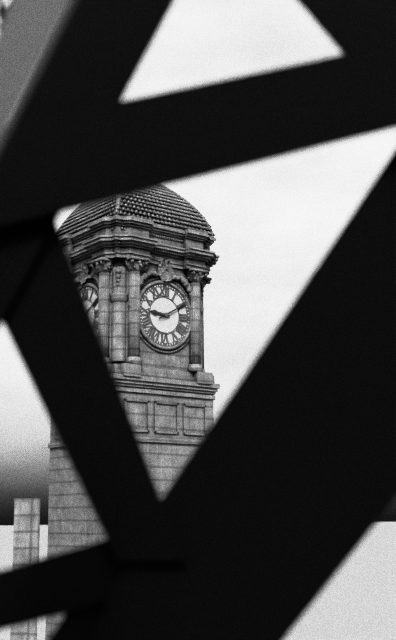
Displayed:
9:10
